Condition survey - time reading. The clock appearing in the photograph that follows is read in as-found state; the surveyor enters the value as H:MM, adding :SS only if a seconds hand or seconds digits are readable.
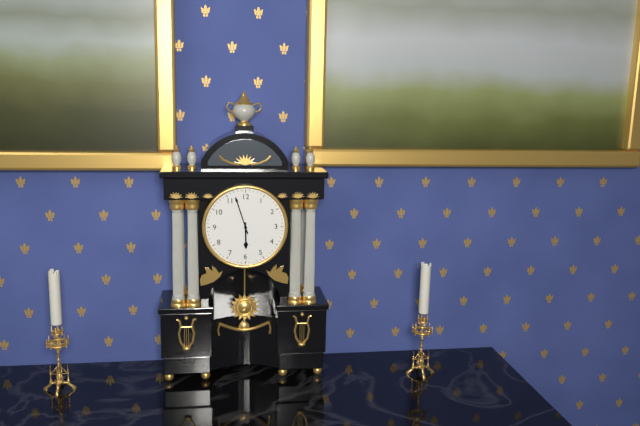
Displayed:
5:57
